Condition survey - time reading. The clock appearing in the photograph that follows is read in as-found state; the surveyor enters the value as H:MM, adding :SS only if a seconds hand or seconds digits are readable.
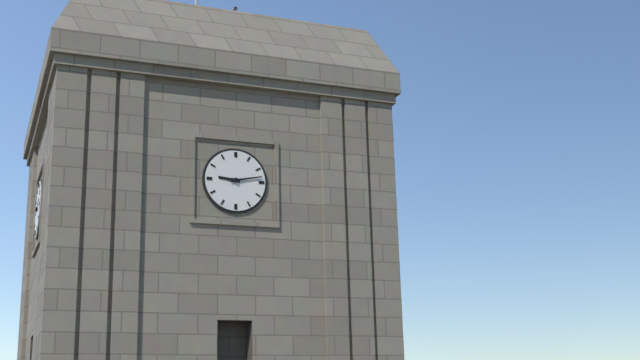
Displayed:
9:13
